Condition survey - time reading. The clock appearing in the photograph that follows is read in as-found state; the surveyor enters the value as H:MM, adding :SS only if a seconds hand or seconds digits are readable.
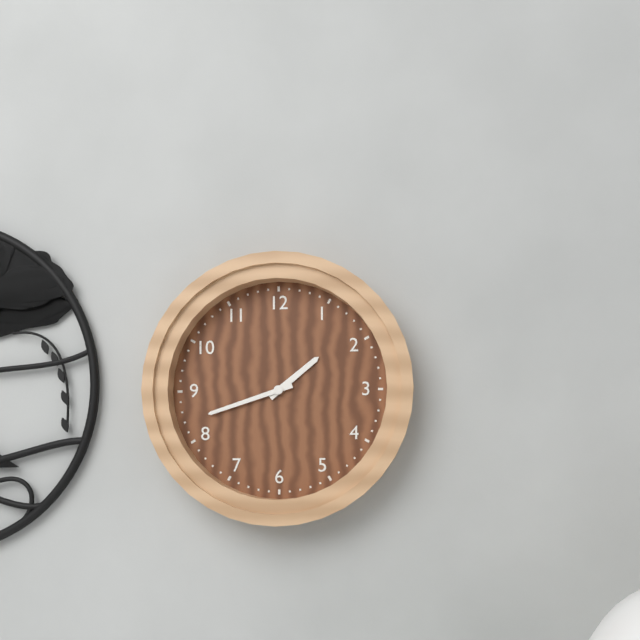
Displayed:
1:42
